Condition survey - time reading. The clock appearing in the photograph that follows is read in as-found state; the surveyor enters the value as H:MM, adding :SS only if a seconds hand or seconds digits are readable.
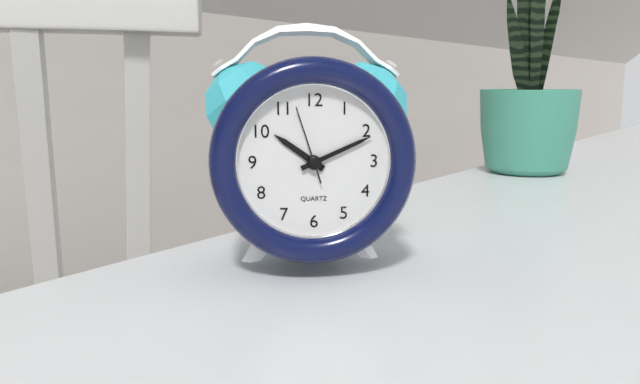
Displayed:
10:11:57
